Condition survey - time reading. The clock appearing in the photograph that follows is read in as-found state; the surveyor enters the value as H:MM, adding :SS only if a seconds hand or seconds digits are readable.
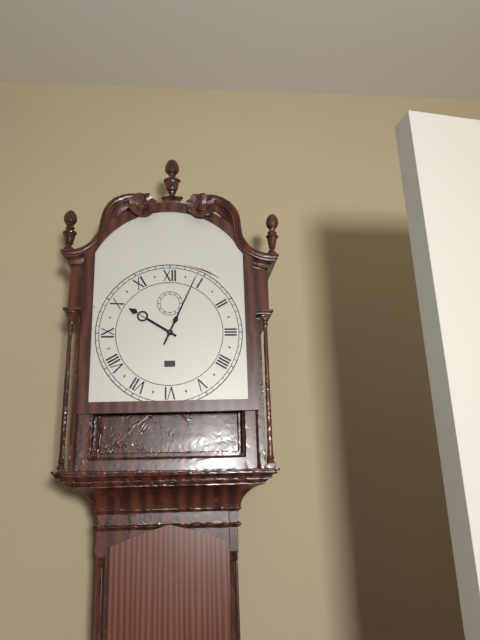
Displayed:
10:04
